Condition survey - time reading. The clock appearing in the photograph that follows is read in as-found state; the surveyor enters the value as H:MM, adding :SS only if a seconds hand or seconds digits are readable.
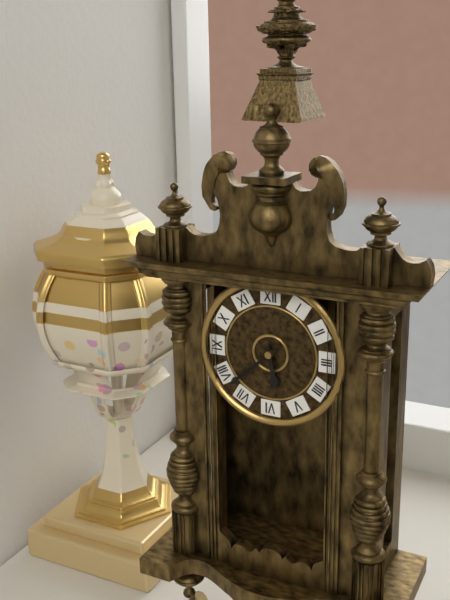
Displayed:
5:38
